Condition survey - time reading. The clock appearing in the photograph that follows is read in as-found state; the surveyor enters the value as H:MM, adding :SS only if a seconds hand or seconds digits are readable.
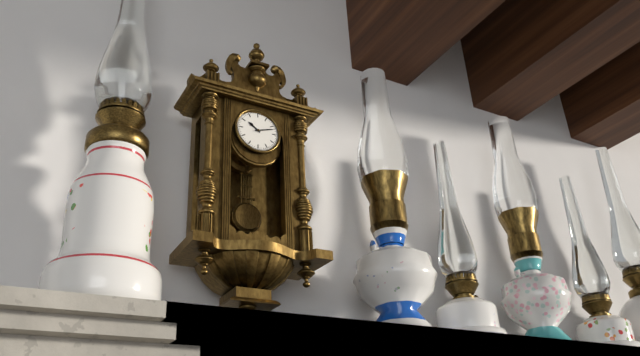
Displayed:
10:12
